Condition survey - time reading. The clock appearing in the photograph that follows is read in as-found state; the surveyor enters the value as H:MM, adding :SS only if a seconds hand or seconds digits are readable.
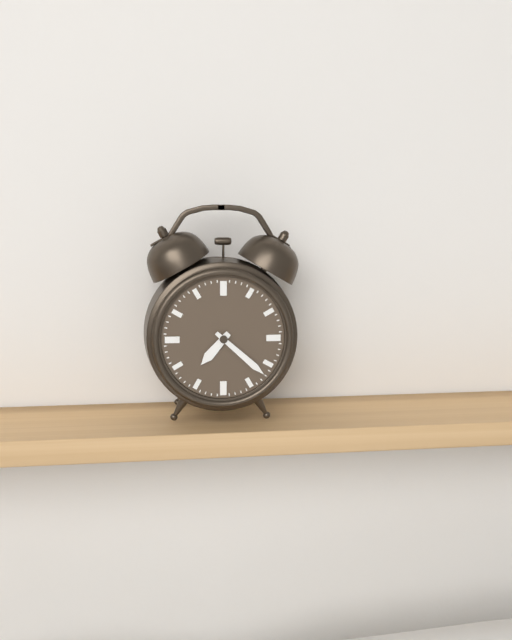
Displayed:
7:22
